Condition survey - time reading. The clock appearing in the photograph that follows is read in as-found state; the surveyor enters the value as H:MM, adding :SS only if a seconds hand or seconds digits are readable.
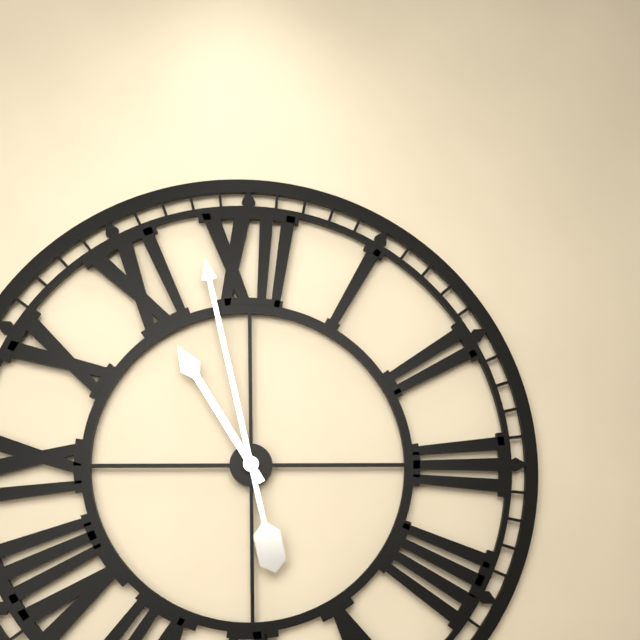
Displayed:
10:58
